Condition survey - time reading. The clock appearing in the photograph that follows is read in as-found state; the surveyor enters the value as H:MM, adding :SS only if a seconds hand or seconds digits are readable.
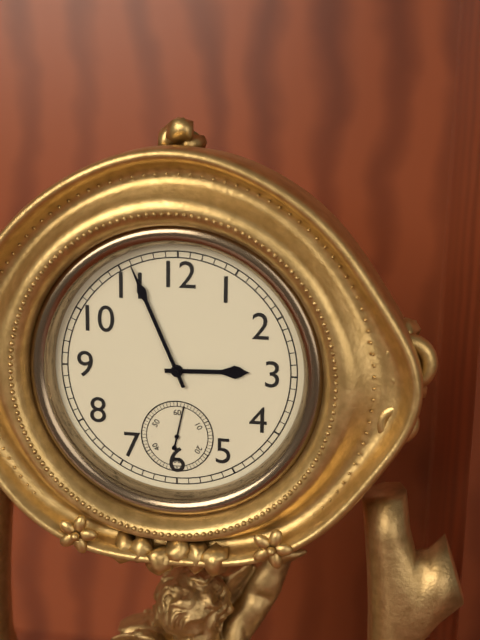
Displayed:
2:56
